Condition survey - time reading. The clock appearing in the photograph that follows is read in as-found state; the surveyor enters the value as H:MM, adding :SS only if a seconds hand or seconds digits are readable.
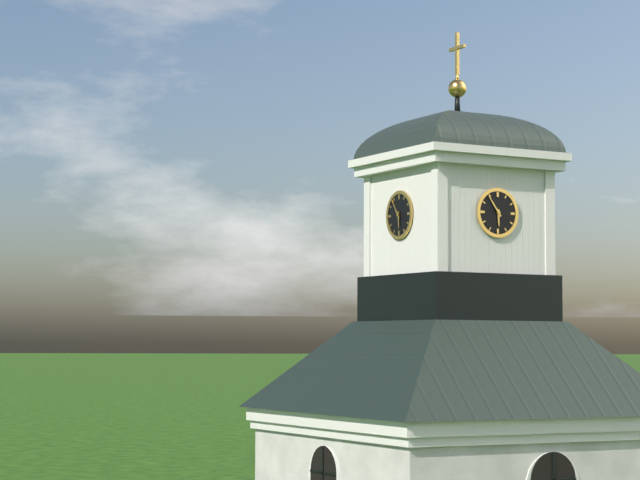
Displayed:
5:54
